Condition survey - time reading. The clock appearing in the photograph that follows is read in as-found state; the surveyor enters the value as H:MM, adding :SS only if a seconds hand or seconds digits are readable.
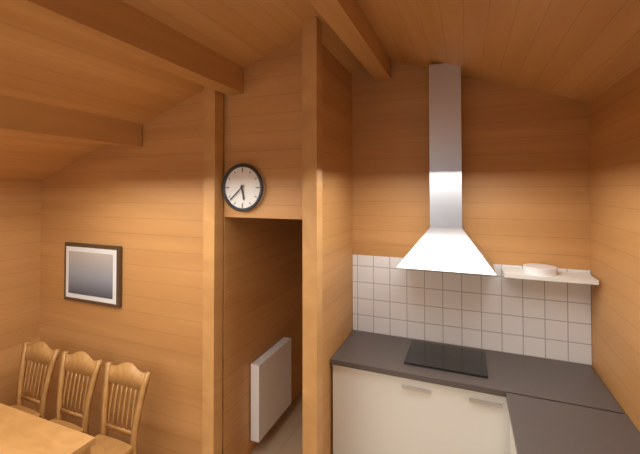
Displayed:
5:38
